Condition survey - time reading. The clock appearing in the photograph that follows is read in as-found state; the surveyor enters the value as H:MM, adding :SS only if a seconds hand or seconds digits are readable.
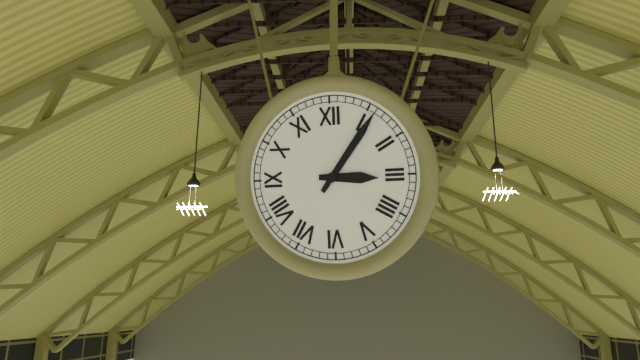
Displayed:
3:06
